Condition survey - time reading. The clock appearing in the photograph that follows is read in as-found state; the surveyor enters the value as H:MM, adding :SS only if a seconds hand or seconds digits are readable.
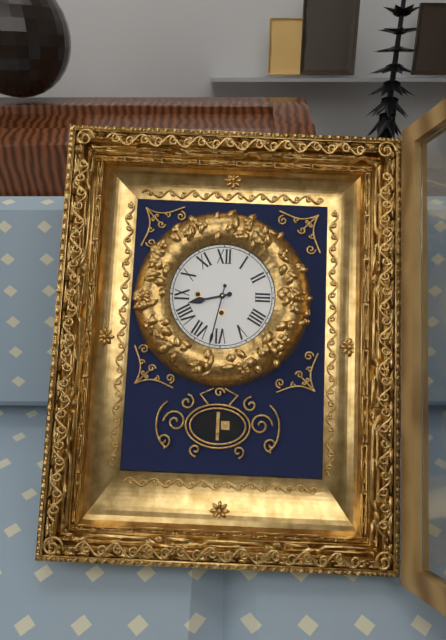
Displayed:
8:32
